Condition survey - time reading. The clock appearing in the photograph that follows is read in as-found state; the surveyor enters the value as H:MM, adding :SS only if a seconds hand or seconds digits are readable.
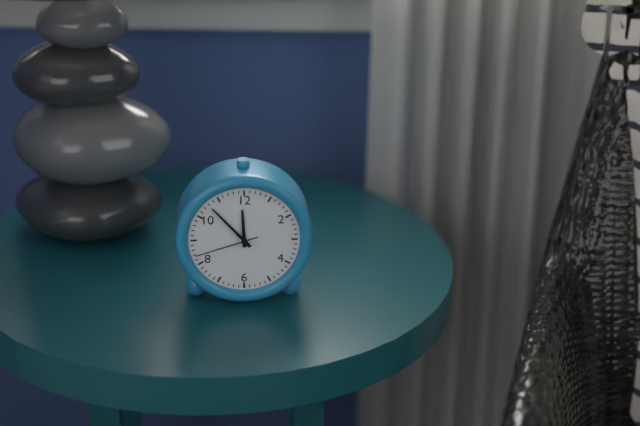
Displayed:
11:53:42
